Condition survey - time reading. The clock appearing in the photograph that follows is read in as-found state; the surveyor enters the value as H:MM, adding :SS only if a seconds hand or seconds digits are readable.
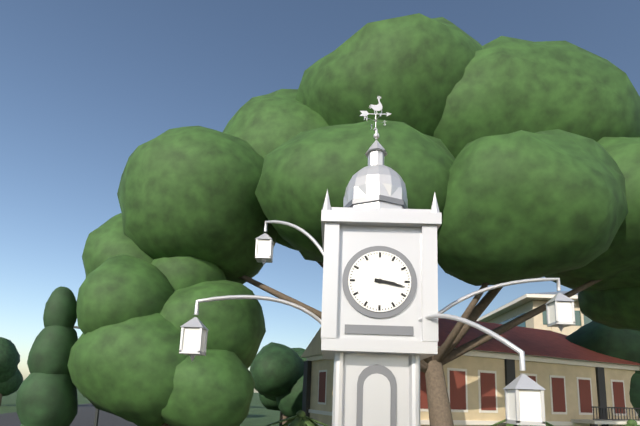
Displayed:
3:17
